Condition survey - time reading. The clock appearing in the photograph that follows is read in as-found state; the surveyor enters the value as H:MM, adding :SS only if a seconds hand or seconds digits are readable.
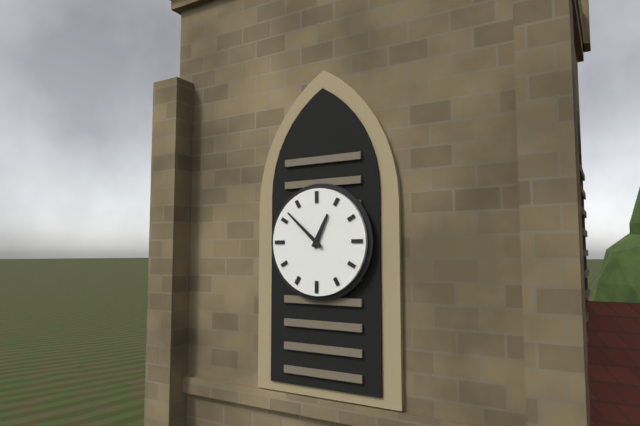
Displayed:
12:52
